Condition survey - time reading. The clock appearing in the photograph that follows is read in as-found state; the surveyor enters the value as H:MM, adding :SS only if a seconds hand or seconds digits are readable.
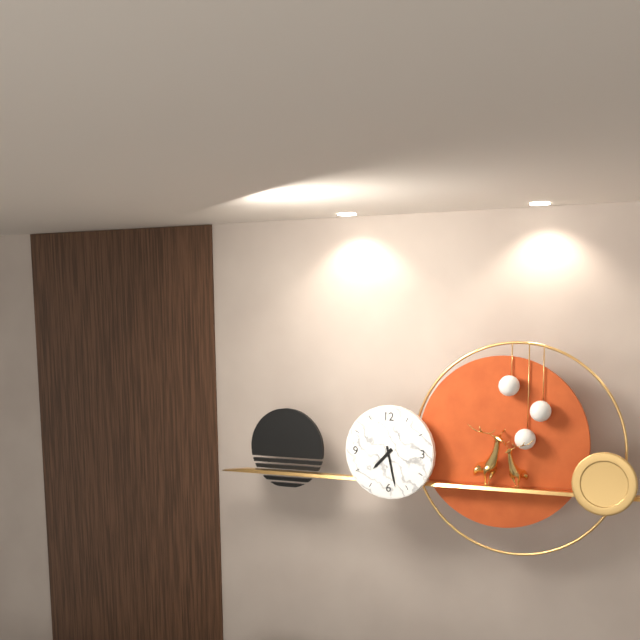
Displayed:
7:28
